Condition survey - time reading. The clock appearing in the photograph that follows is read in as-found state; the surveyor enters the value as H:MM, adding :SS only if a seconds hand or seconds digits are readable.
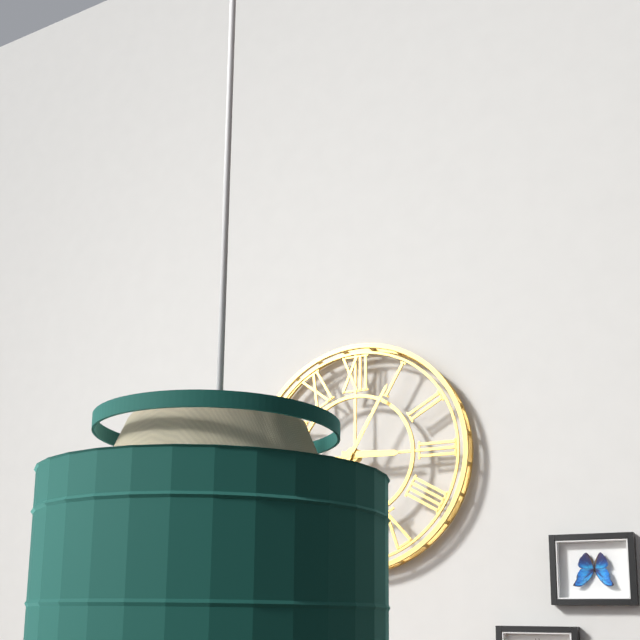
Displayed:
3:05
